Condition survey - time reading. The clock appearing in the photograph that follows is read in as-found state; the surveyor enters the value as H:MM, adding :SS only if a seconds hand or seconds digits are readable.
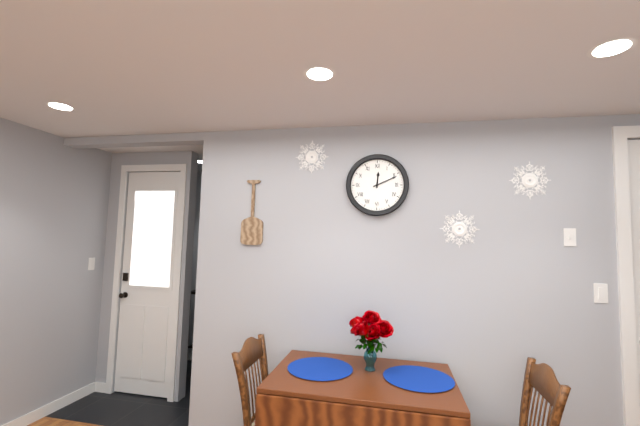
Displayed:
12:11
